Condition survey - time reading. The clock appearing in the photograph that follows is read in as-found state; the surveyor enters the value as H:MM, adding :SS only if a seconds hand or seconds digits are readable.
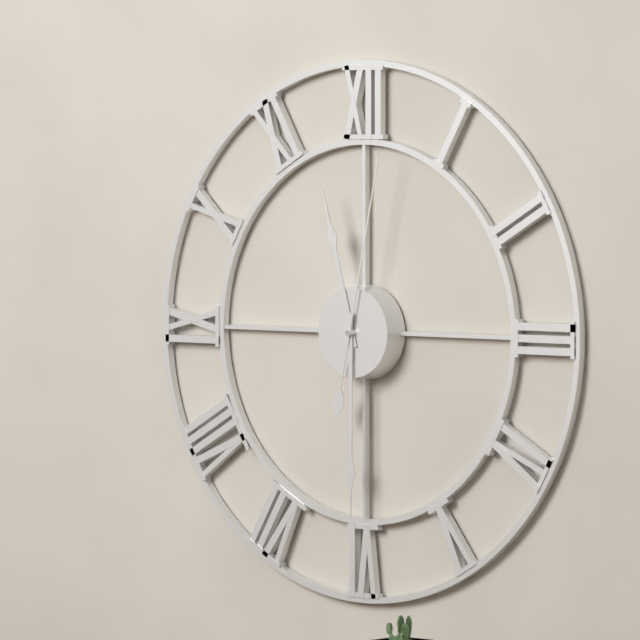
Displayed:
11:30:02
